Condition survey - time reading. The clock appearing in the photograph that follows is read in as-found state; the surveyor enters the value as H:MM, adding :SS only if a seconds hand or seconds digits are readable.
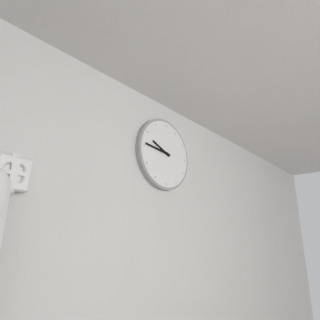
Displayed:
9:46
